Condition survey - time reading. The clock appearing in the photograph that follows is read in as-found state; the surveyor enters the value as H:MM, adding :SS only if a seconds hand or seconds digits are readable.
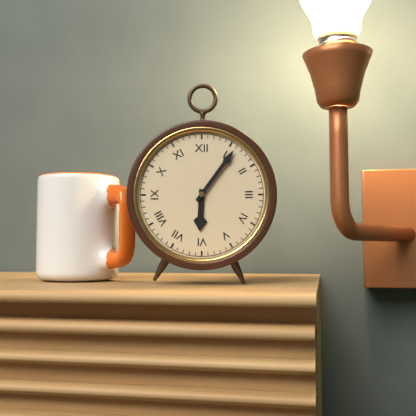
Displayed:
6:06
